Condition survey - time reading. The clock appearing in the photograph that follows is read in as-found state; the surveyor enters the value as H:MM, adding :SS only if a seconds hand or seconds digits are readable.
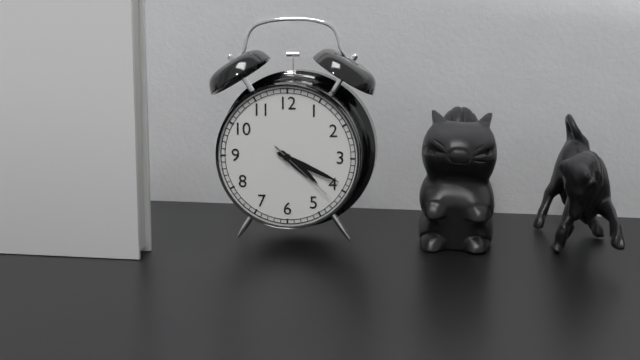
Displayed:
4:19:22
